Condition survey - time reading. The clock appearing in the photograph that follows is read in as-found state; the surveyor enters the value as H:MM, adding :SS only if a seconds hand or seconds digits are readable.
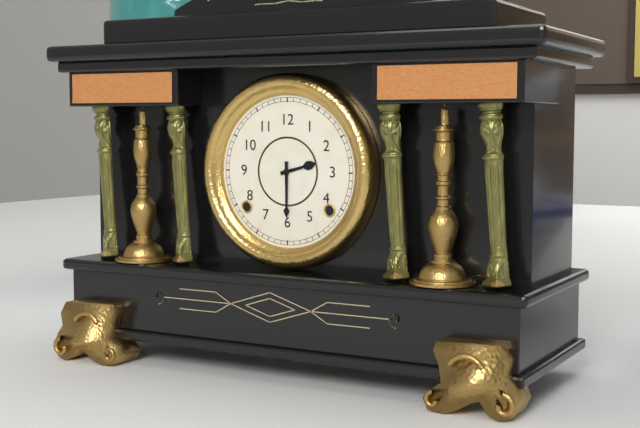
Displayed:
2:30
